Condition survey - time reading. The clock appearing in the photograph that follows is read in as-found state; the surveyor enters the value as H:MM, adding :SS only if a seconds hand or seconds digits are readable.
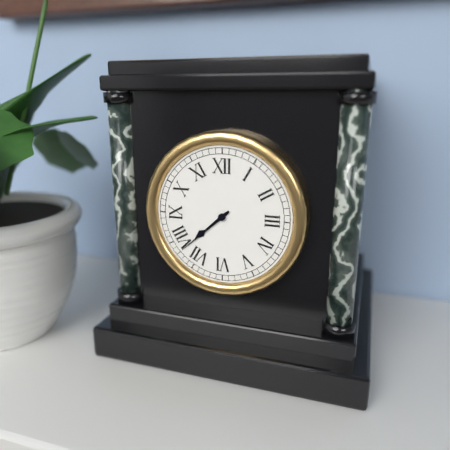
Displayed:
7:38
